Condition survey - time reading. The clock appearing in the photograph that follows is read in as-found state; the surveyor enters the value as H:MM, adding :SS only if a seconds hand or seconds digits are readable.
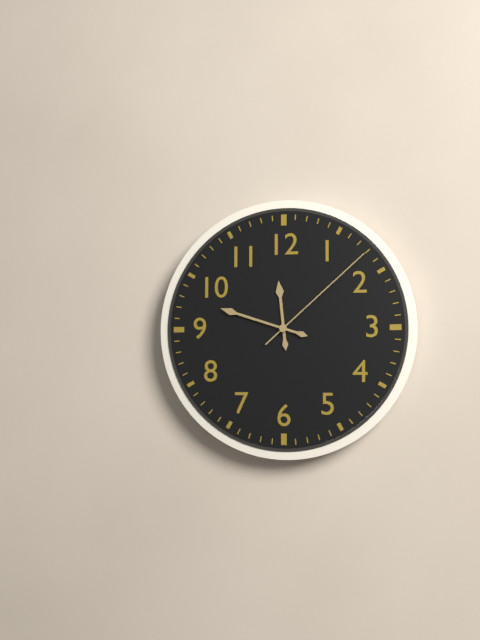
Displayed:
11:48:08
